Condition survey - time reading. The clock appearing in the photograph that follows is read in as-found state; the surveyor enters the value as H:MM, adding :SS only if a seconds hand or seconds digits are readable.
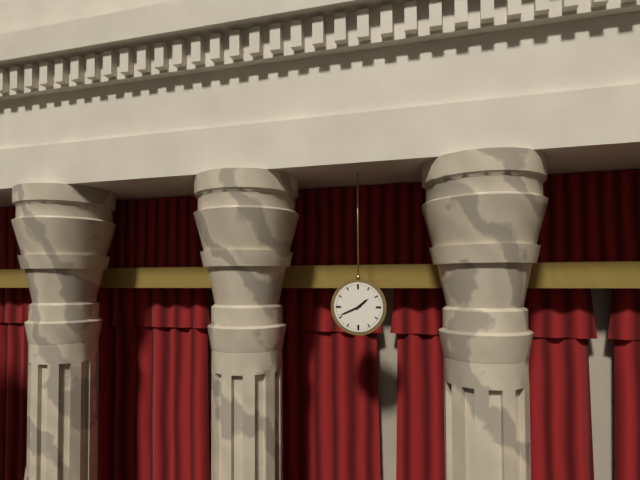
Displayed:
1:41
